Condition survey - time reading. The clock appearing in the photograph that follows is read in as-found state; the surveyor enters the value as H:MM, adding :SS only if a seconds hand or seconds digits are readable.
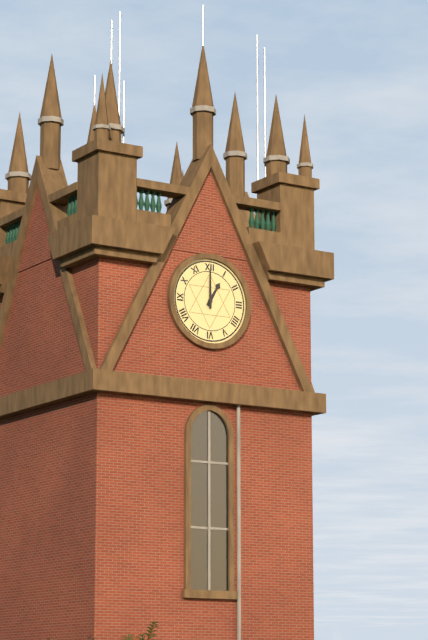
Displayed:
1:00
